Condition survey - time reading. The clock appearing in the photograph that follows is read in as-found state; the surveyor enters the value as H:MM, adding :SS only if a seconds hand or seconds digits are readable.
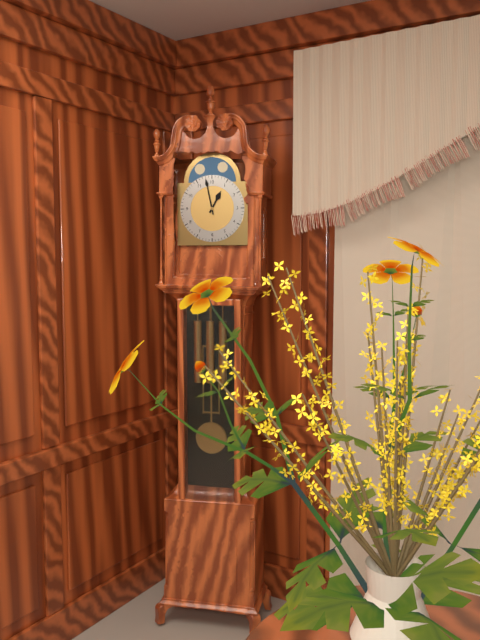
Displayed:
12:58
